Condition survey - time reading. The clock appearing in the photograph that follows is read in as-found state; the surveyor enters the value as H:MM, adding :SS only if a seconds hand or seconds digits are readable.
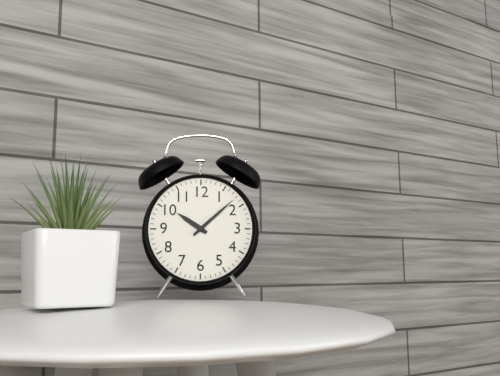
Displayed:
10:08
